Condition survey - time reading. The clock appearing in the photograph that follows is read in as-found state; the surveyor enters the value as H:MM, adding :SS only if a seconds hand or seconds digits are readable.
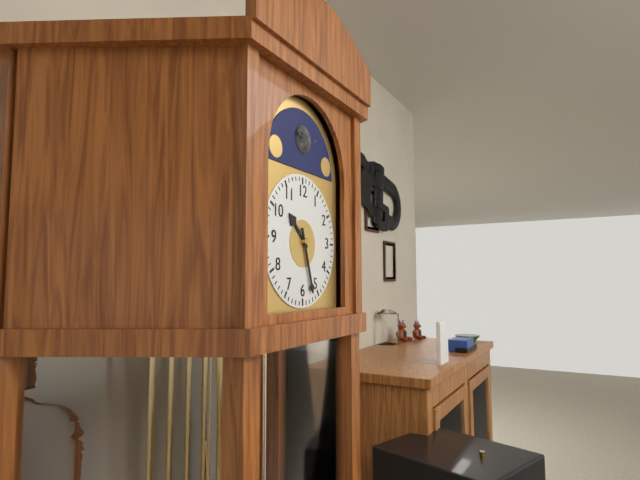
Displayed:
10:27
